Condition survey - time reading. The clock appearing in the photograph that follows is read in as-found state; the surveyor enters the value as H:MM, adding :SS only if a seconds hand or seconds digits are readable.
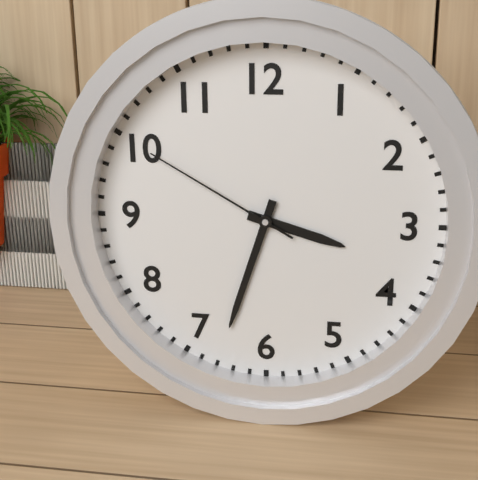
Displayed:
3:33:50
